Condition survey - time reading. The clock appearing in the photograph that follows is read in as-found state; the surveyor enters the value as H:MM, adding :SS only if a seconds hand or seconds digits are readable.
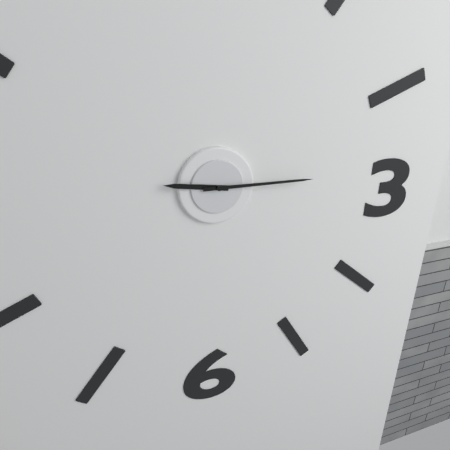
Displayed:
9:15
